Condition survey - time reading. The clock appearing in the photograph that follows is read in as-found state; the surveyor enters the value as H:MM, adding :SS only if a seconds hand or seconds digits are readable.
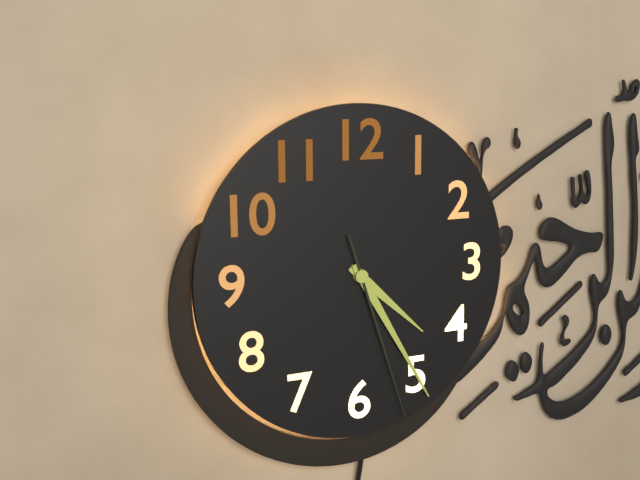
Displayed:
4:25:27
